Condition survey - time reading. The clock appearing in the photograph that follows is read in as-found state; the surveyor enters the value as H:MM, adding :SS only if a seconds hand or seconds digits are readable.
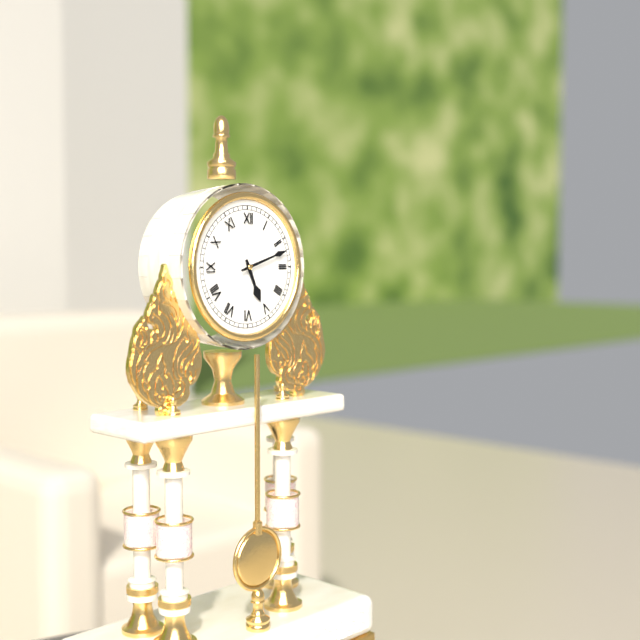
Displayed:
5:12
